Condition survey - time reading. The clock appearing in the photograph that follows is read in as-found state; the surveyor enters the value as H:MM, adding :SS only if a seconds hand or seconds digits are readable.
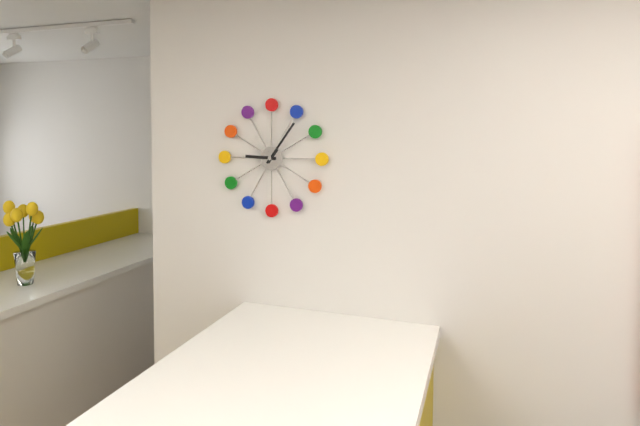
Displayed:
9:06
